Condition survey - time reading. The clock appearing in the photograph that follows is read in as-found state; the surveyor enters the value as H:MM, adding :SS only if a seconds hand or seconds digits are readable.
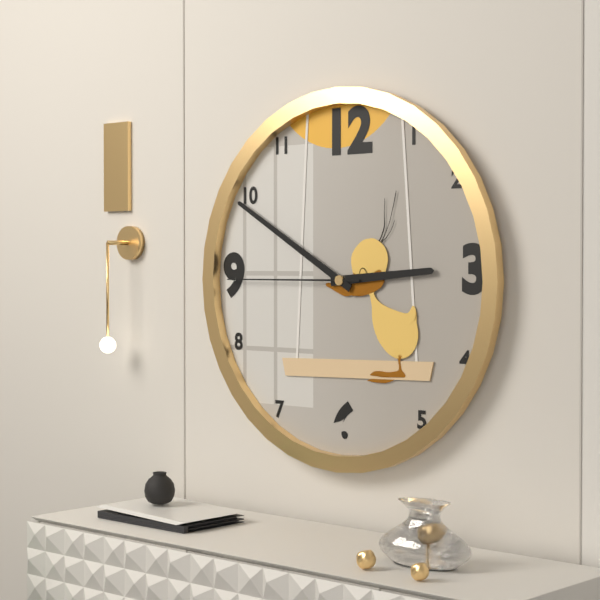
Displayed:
2:50:45
